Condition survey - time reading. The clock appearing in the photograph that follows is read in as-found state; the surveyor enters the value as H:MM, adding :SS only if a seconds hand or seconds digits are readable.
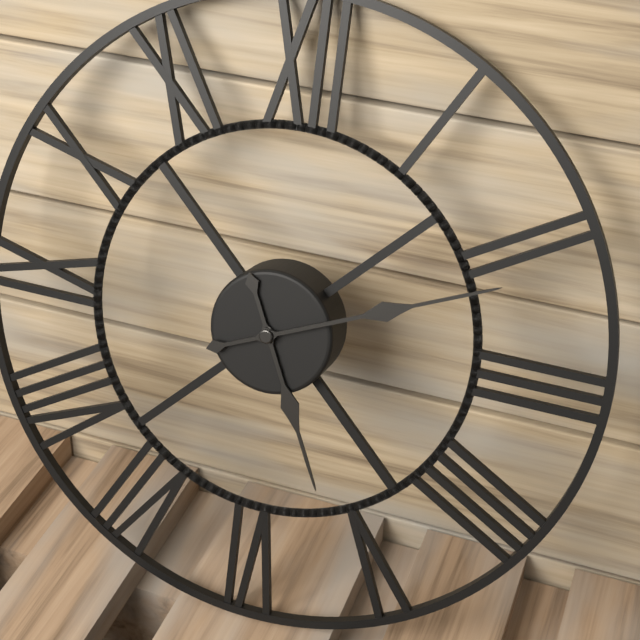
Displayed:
5:11
